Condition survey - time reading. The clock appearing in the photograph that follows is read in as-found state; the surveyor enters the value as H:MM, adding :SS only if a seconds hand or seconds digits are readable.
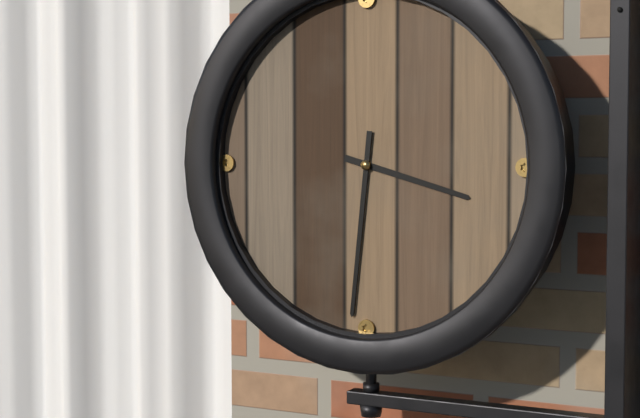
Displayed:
3:31
